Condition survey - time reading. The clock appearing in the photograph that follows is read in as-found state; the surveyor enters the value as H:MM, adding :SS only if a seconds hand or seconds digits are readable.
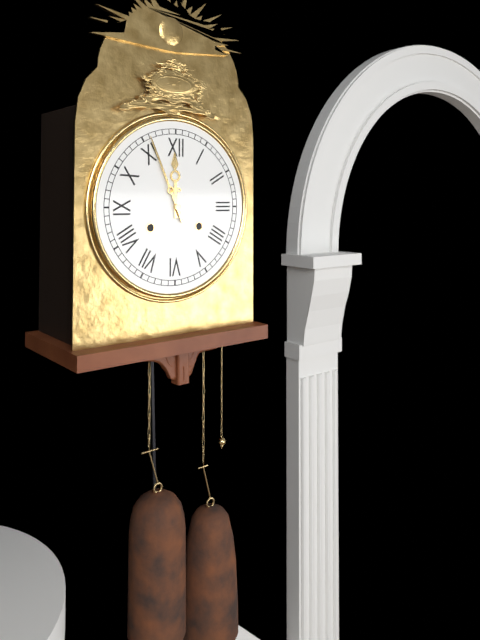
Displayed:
11:56
